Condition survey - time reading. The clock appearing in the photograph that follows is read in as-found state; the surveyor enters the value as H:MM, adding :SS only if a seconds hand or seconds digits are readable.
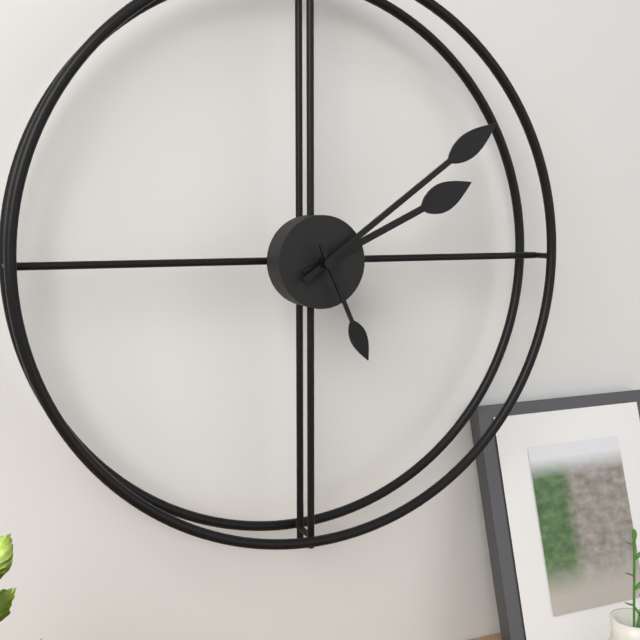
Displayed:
2:09:26
